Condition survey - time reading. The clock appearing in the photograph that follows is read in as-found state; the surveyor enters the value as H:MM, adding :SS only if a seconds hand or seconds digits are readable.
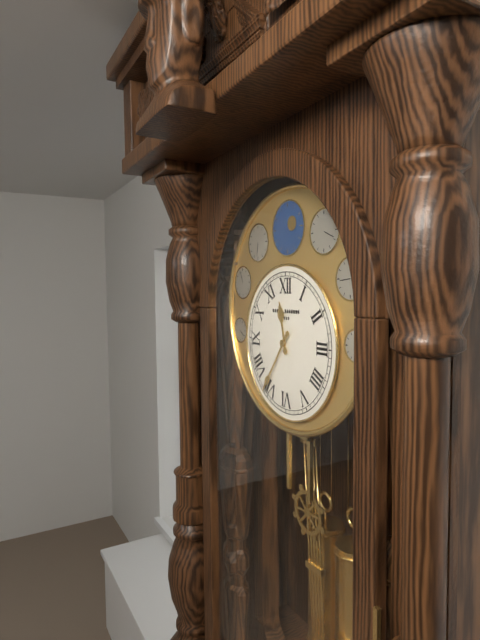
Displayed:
11:36
